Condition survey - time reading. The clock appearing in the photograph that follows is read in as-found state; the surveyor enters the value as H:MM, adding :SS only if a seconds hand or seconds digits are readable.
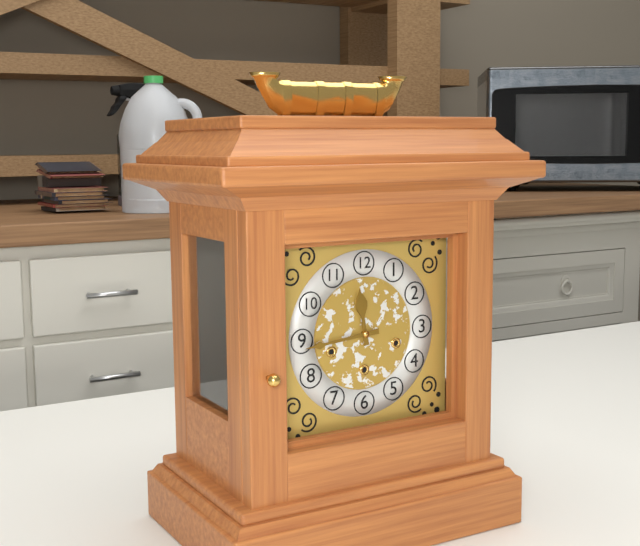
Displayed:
11:44
